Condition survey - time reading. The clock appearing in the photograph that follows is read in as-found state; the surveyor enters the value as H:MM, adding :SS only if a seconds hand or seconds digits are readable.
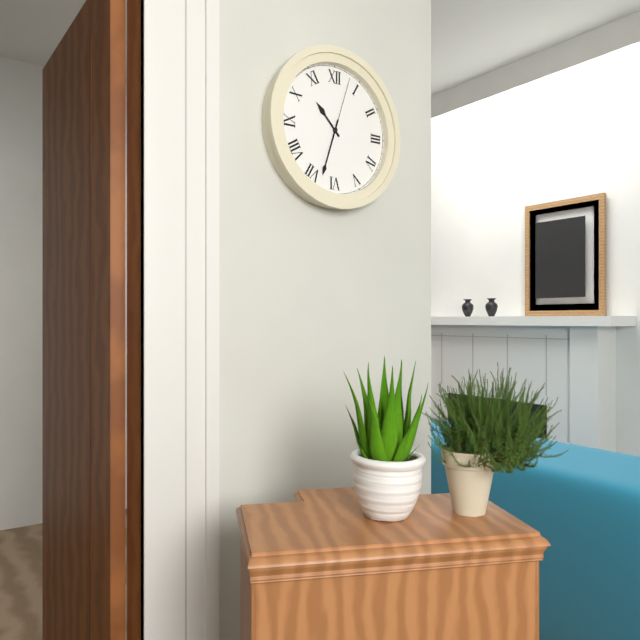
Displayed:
10:33:03
